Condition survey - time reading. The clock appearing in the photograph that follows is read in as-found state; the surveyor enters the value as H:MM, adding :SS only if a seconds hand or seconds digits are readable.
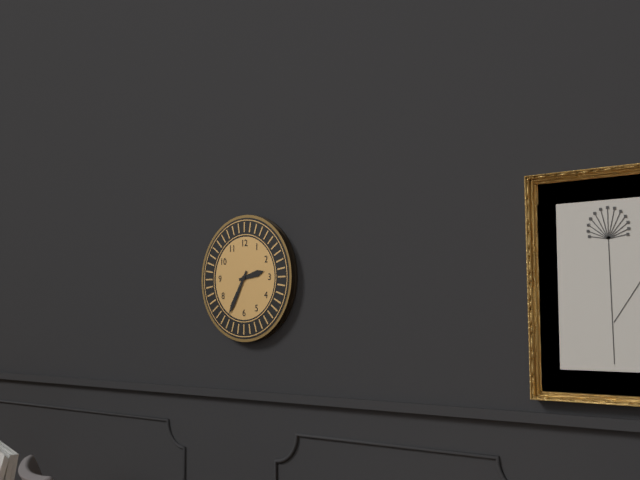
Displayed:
2:35
